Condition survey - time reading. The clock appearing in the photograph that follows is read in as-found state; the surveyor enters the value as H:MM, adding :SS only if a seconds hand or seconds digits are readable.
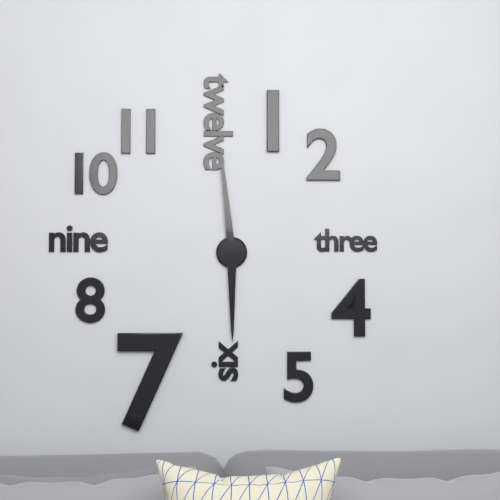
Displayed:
5:59
